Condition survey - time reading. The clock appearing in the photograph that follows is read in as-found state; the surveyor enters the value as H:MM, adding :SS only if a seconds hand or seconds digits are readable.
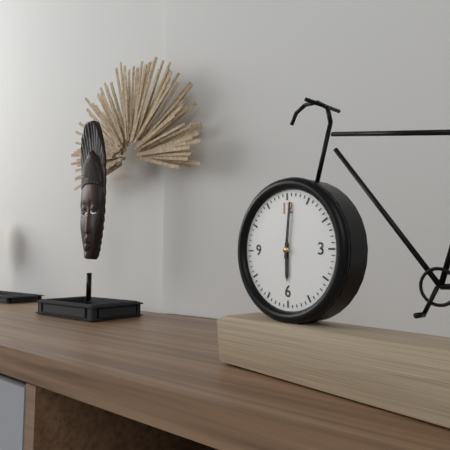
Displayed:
6:01
